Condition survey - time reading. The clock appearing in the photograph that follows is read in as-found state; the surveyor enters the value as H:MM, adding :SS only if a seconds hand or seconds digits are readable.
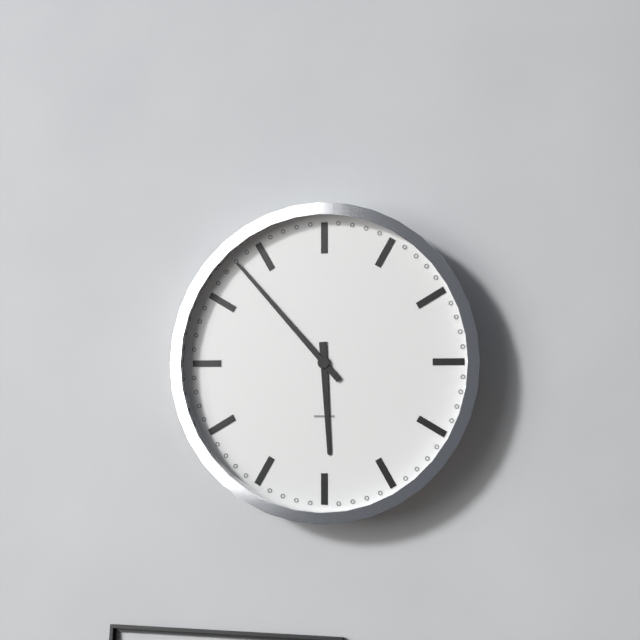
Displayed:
5:53
